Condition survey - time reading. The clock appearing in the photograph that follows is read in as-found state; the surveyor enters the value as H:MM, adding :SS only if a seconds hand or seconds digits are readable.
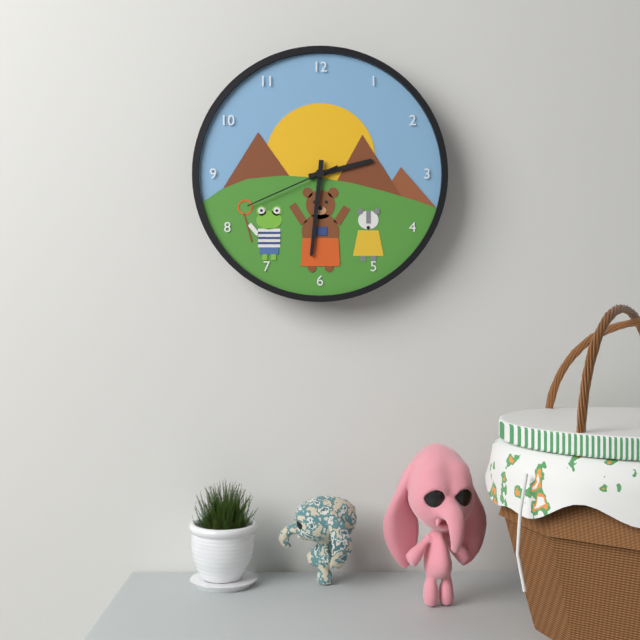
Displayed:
2:31:41
